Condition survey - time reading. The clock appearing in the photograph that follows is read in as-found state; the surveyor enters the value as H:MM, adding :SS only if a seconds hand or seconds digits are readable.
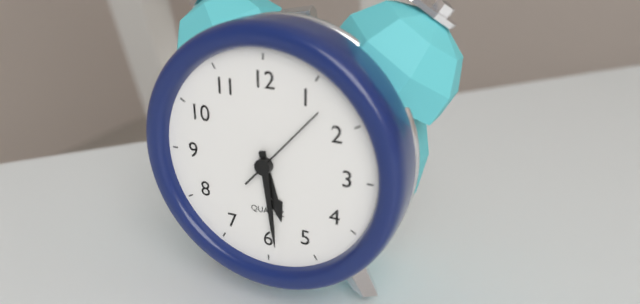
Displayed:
5:29
